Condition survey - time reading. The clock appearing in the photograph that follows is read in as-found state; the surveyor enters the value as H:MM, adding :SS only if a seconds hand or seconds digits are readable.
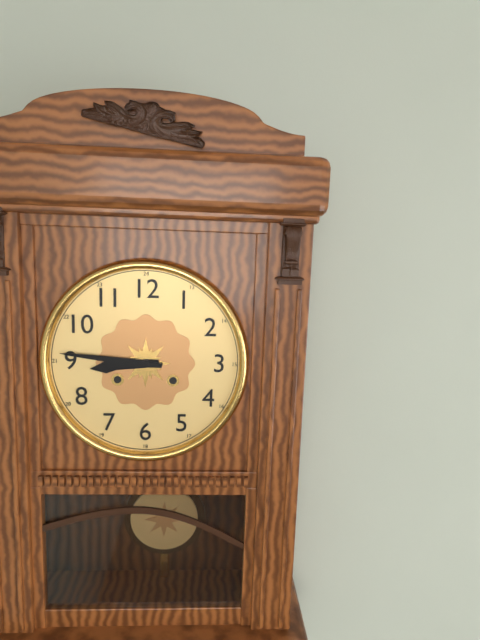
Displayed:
8:46
